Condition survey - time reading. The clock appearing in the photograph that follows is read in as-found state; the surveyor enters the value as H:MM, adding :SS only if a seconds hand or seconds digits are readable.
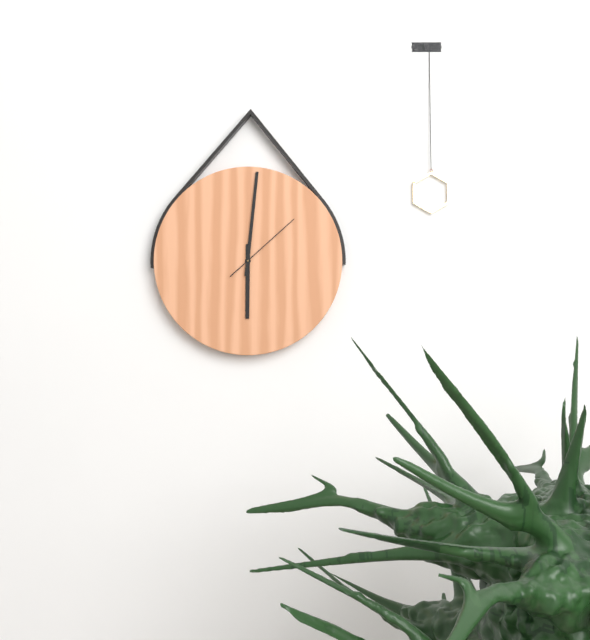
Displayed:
6:01:08
